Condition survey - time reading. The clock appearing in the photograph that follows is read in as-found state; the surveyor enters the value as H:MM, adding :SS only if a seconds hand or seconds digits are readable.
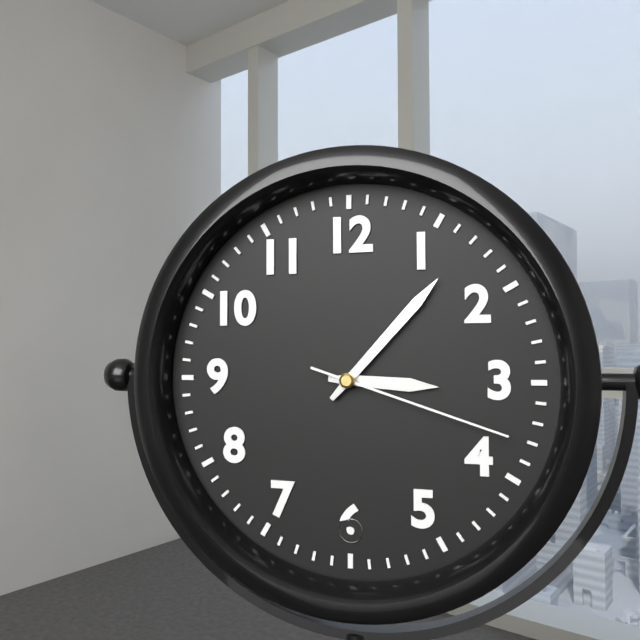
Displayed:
3:07:18
